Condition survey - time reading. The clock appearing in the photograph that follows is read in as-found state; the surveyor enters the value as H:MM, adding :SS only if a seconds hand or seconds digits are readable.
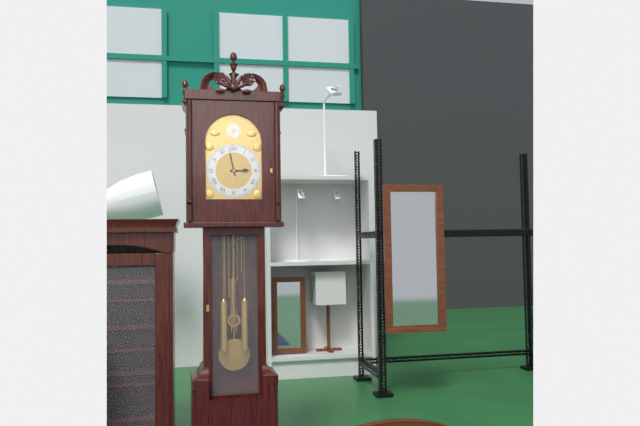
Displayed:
2:58
